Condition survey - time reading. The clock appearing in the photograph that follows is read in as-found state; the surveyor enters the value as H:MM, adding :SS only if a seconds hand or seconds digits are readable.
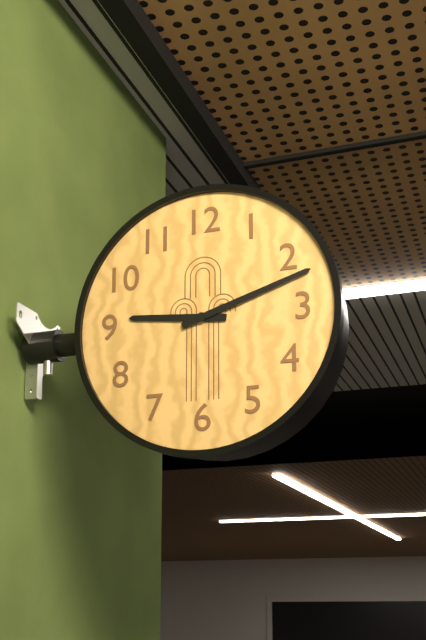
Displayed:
9:12
